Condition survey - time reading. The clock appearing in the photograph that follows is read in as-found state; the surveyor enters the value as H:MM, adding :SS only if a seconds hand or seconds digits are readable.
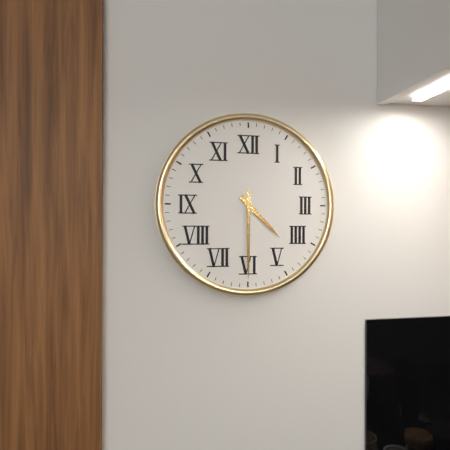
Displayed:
4:30
